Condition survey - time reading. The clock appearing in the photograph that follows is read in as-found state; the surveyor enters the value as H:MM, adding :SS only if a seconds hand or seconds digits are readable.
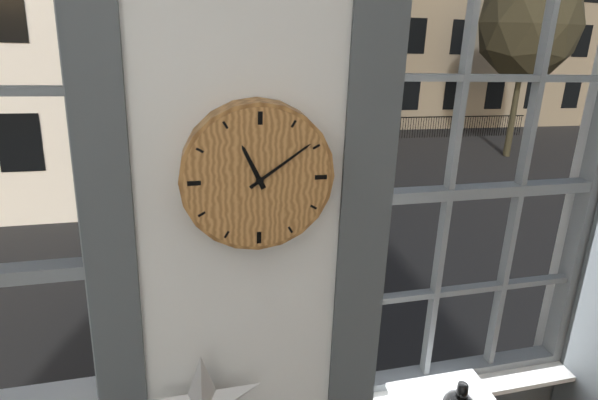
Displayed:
11:09
